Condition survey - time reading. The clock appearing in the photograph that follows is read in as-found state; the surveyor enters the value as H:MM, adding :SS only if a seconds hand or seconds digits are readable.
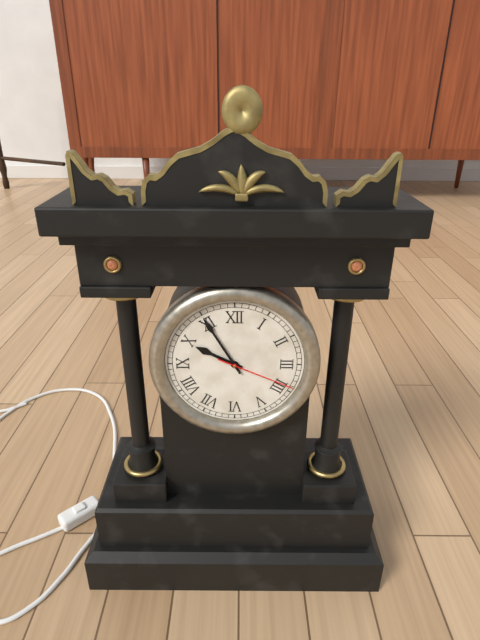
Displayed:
9:55:19
